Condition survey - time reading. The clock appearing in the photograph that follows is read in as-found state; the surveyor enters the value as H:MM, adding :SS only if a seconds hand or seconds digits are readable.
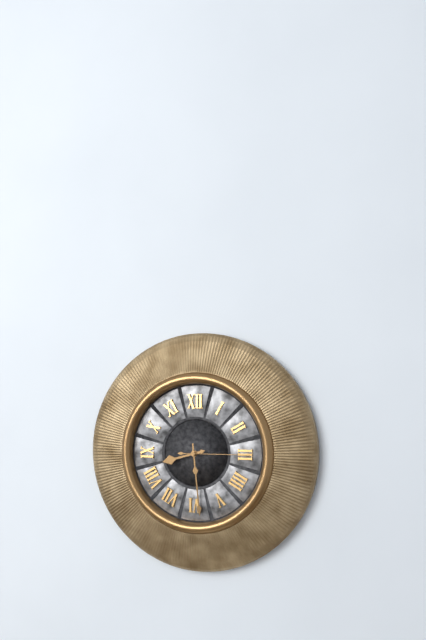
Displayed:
8:29:15
